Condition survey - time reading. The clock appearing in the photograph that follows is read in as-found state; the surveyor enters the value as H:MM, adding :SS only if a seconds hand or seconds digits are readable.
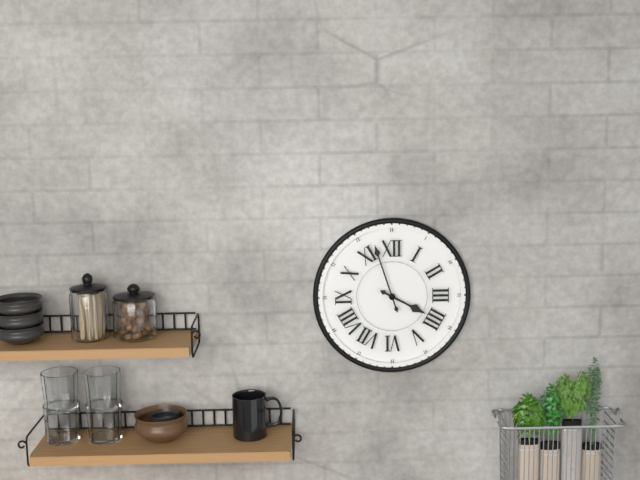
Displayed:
3:57
